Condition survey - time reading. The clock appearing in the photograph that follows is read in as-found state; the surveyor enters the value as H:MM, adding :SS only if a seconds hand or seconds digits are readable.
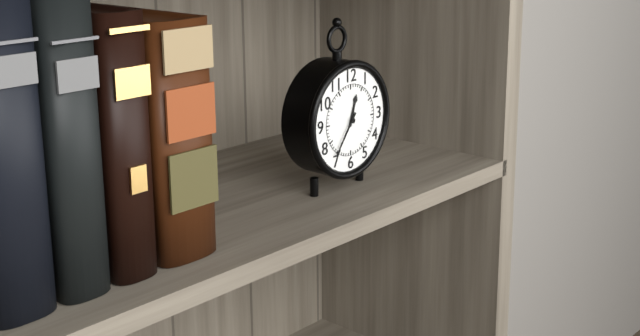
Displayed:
12:36
